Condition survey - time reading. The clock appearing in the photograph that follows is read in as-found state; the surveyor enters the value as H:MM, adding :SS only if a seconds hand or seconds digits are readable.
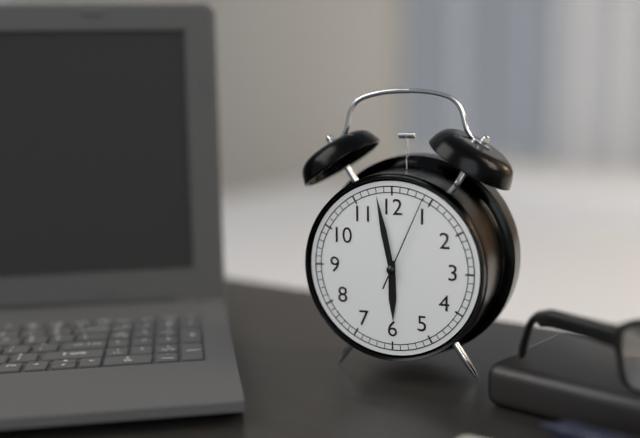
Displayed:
5:58:04
